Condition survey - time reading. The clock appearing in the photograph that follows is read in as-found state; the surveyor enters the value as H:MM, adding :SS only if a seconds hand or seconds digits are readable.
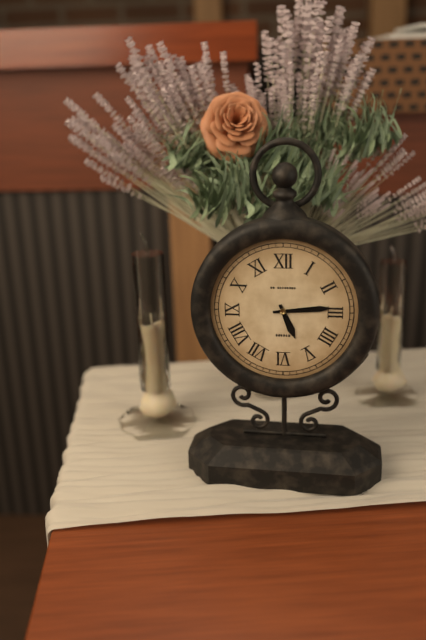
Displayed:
5:14
